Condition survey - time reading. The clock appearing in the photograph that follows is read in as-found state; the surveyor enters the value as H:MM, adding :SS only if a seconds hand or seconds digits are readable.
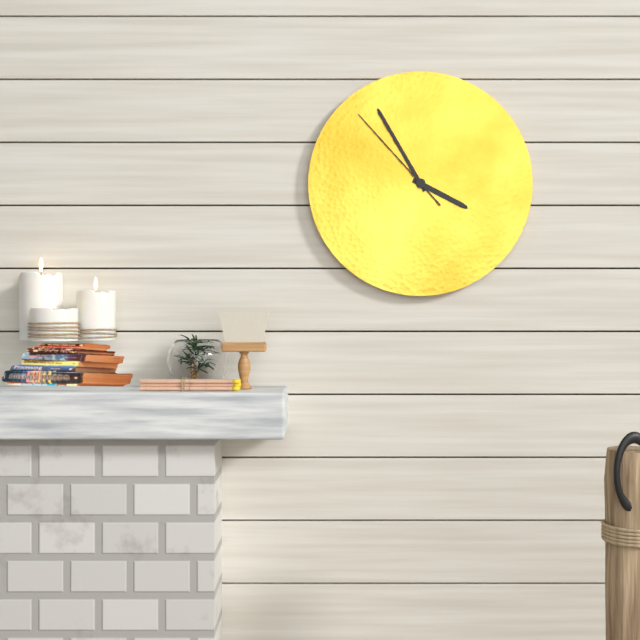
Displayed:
3:55:53
